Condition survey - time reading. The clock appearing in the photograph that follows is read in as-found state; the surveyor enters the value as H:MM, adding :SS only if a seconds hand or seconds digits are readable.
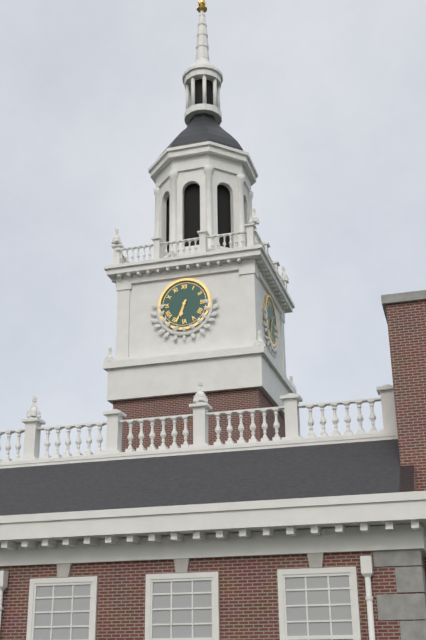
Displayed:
6:34
